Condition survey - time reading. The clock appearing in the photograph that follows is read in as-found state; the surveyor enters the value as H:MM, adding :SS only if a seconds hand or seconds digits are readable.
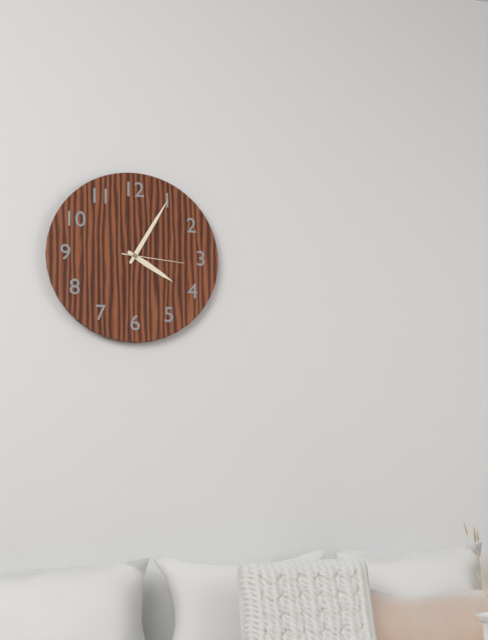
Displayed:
4:05:16
